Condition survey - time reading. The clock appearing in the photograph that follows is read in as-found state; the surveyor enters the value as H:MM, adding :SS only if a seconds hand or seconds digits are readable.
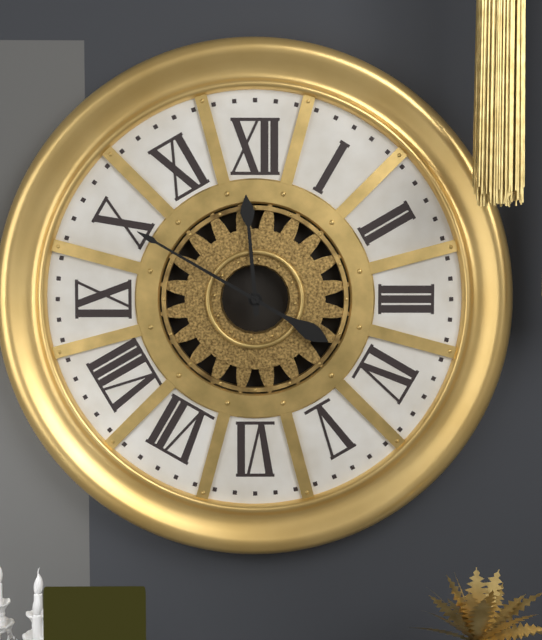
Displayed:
11:50
